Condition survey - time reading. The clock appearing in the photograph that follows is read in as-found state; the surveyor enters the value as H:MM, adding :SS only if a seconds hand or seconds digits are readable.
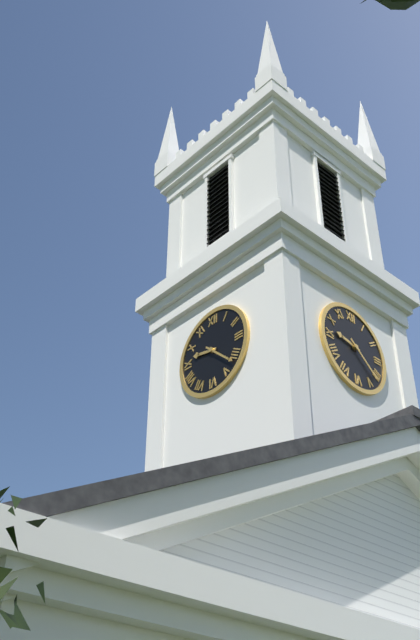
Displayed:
9:22
